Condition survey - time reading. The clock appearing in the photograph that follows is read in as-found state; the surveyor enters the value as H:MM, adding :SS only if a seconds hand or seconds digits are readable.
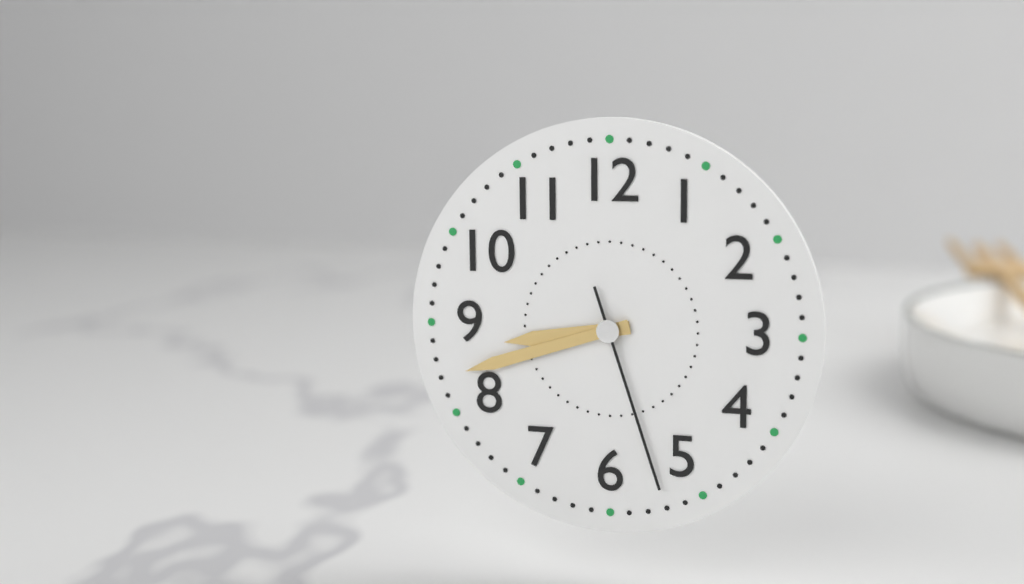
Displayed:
8:42:27
